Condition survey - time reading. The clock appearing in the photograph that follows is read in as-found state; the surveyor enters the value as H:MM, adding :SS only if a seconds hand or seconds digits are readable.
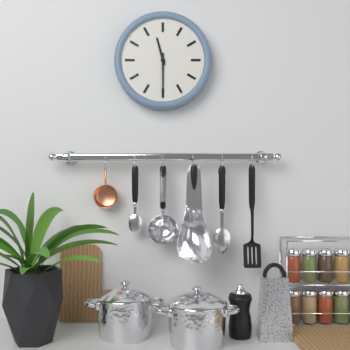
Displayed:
11:30
